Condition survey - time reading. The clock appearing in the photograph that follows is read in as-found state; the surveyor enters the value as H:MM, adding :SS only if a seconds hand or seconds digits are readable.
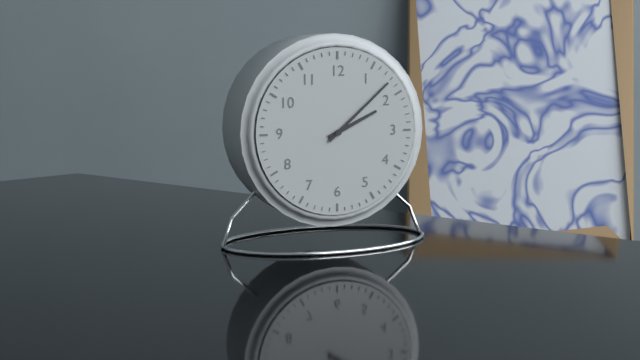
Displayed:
2:08
